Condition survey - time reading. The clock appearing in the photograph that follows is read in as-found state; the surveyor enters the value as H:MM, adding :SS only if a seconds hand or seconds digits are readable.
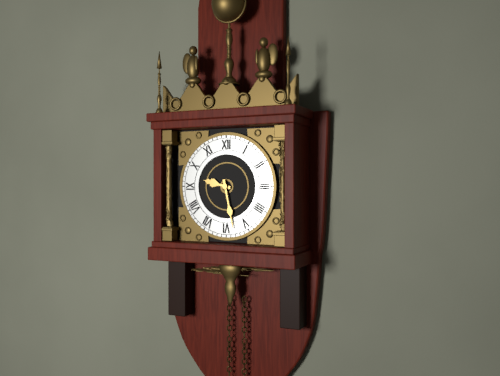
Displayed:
9:28
